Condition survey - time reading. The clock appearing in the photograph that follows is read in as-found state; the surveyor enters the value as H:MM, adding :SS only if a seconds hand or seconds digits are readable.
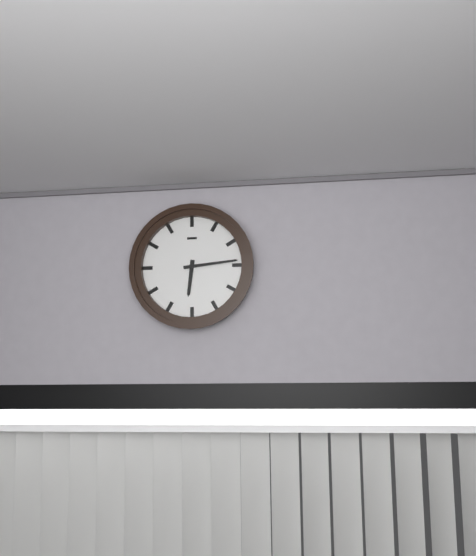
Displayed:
6:14
